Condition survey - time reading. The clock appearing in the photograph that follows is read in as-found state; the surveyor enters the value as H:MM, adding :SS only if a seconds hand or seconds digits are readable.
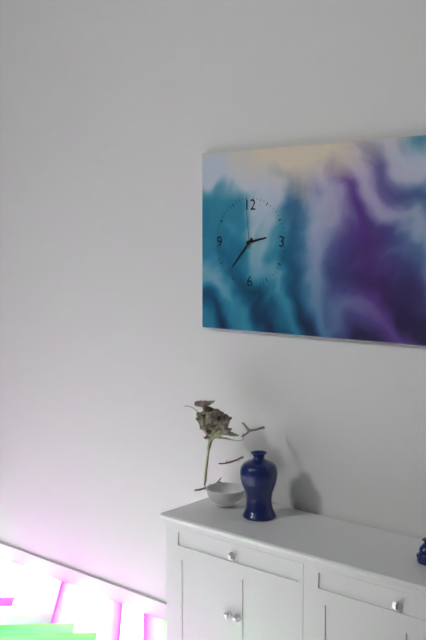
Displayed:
2:37
